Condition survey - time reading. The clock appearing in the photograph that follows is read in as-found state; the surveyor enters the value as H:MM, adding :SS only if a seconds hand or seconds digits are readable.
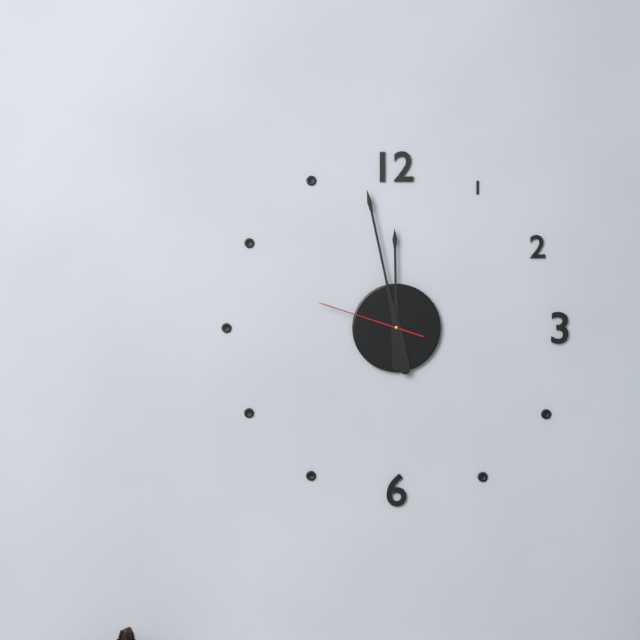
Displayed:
11:58:48
